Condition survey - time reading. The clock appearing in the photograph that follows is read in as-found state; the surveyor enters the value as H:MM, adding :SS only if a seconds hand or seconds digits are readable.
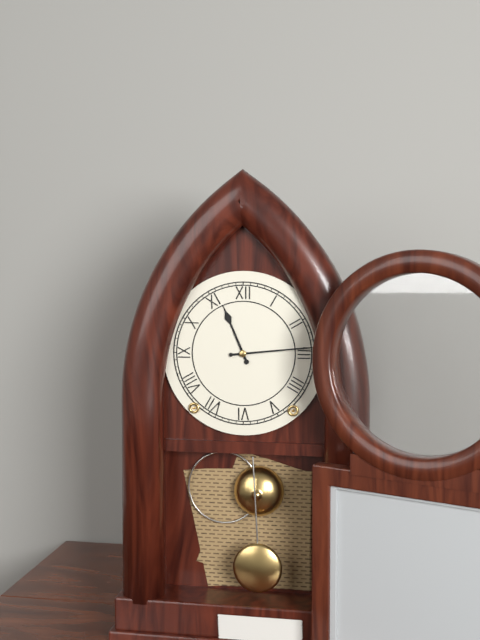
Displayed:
11:14
